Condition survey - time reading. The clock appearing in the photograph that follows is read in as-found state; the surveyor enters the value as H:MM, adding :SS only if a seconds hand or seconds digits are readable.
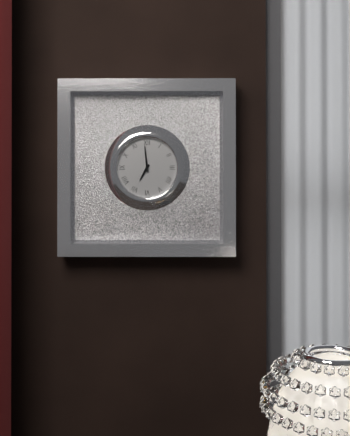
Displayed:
6:59
